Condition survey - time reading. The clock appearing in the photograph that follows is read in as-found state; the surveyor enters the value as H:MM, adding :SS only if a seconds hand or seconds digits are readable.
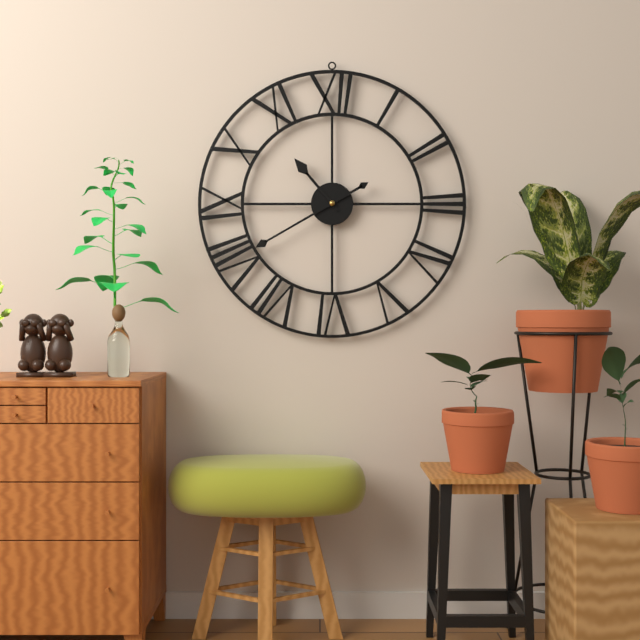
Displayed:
10:40
